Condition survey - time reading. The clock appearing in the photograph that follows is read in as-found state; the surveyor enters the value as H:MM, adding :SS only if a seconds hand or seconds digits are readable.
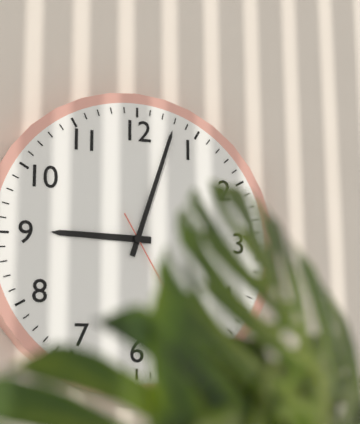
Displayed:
9:03
